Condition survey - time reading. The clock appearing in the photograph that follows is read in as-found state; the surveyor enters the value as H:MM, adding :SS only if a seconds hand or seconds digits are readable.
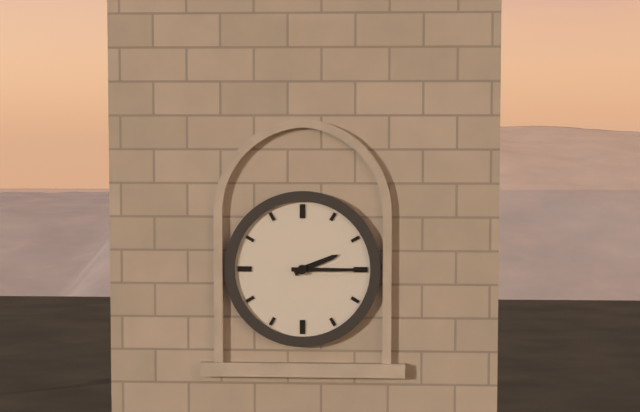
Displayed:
2:15
